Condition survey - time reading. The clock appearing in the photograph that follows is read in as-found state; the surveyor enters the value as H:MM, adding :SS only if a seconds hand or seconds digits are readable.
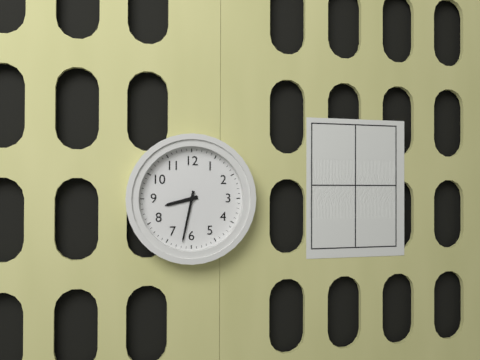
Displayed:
8:32
